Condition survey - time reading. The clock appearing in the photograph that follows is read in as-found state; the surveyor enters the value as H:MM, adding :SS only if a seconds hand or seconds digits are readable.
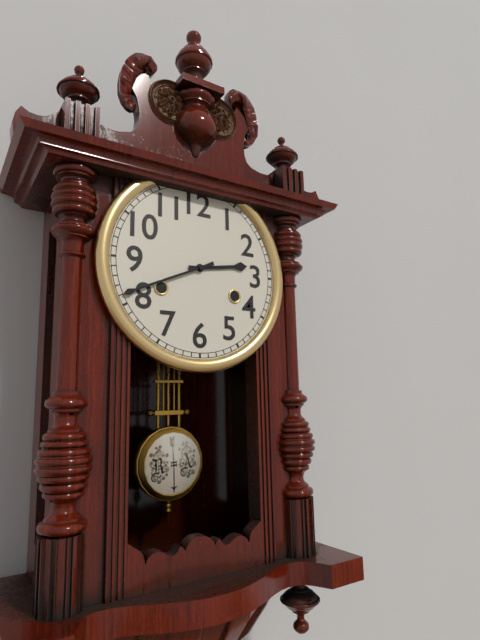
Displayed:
2:41
